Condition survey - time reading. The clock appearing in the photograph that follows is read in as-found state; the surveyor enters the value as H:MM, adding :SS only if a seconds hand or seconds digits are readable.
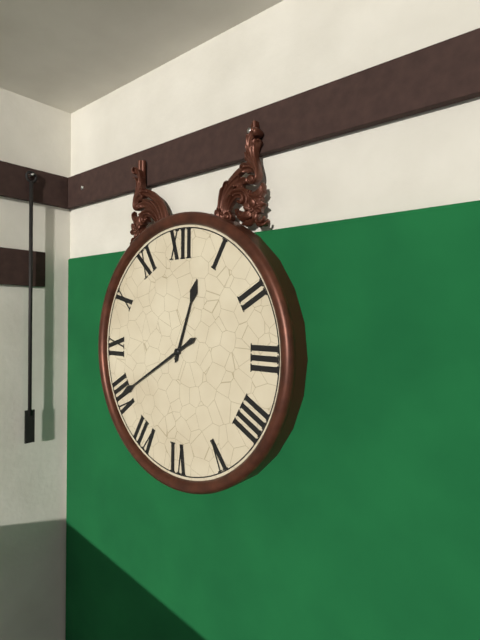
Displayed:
12:40
